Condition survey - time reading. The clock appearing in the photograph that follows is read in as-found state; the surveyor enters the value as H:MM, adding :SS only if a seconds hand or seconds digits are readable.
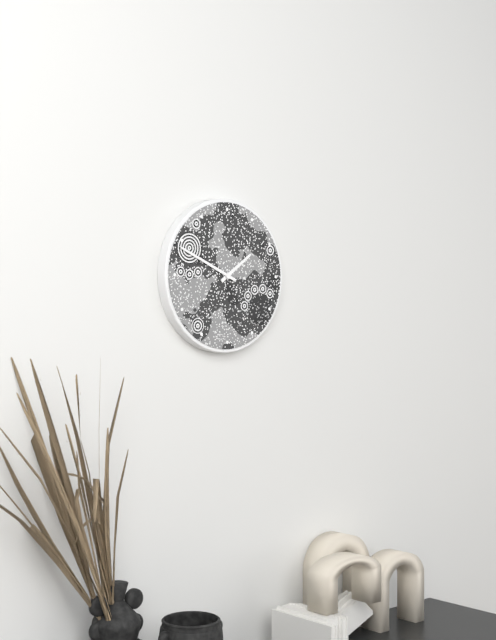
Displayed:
1:49
